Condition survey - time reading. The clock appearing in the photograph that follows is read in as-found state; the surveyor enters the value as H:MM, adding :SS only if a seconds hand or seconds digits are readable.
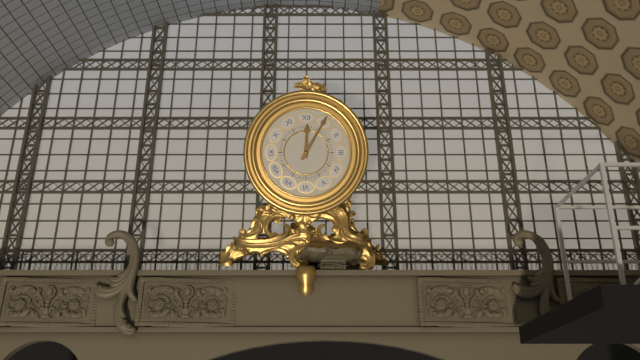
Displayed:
12:05
